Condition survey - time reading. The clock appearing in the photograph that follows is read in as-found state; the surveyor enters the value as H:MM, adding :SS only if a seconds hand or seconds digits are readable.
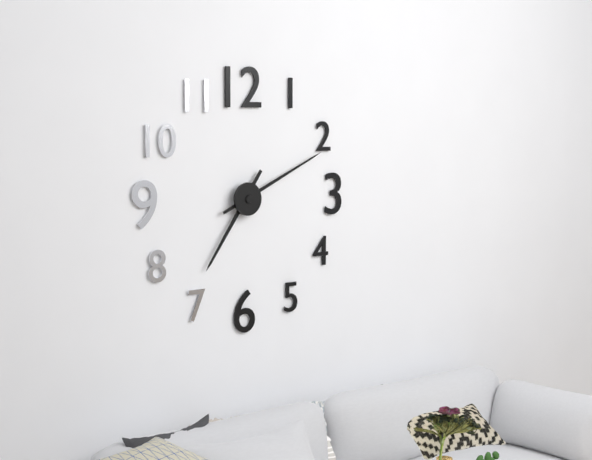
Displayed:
7:11
